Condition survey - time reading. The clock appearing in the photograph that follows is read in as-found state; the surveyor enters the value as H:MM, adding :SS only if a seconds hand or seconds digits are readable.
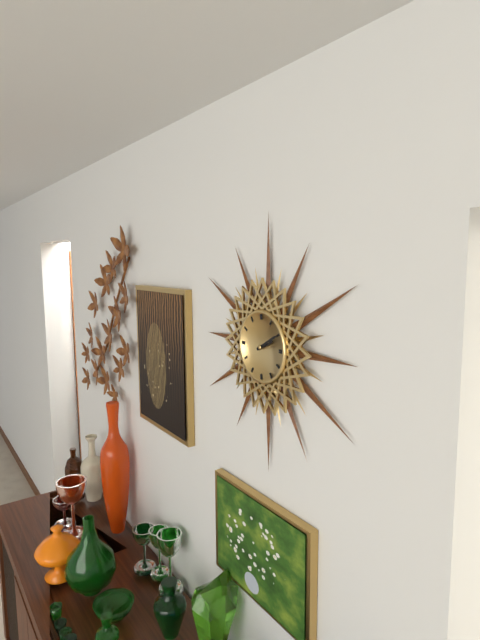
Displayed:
2:10
